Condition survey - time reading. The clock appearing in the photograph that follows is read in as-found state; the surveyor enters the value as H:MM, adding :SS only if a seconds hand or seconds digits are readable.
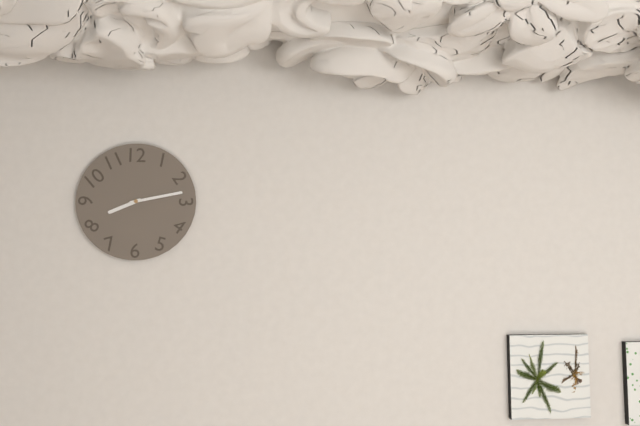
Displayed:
8:13
